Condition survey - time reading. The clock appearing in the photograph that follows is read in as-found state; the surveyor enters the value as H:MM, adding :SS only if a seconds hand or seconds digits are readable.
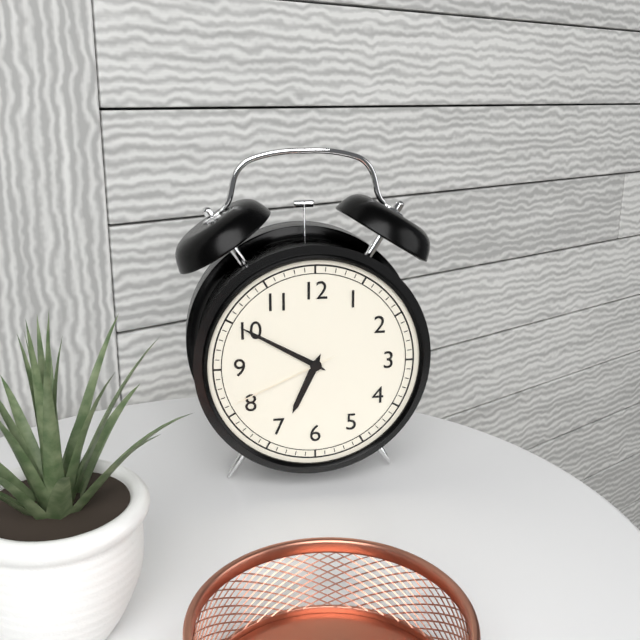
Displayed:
6:50:41
